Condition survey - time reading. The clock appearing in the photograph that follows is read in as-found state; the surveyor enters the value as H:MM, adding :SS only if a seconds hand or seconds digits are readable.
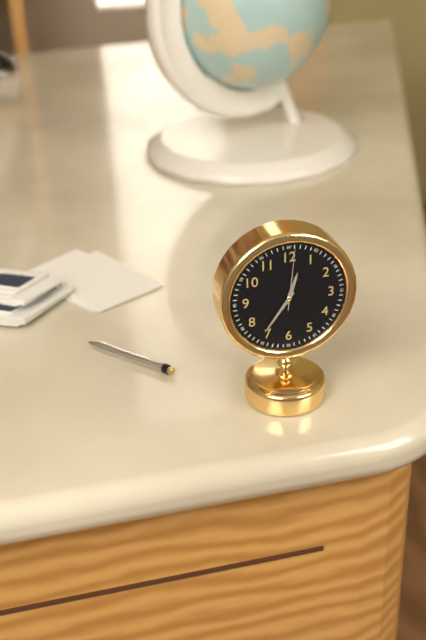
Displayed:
12:36:01
